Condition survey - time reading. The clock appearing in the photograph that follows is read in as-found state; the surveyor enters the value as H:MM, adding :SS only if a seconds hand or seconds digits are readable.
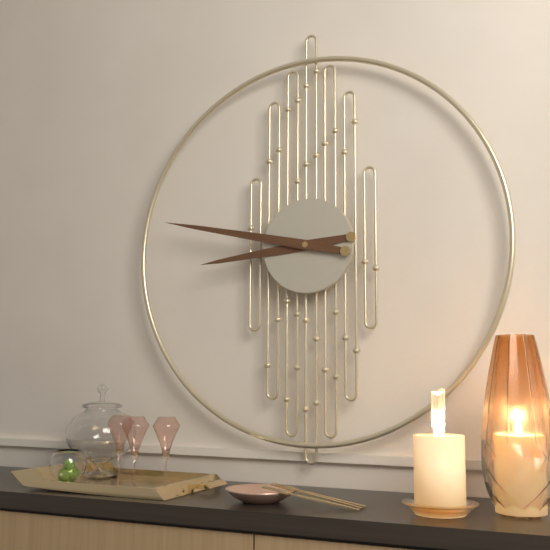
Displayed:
8:47
